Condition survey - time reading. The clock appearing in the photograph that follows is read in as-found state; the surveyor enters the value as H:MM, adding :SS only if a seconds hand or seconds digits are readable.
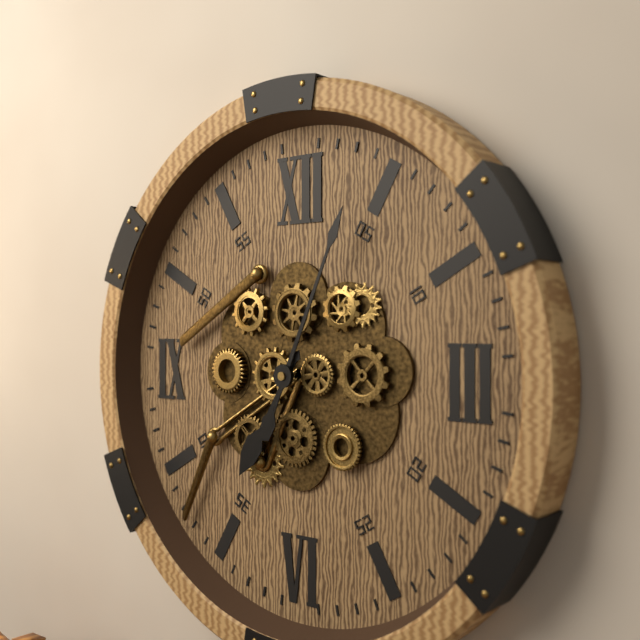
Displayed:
7:04
